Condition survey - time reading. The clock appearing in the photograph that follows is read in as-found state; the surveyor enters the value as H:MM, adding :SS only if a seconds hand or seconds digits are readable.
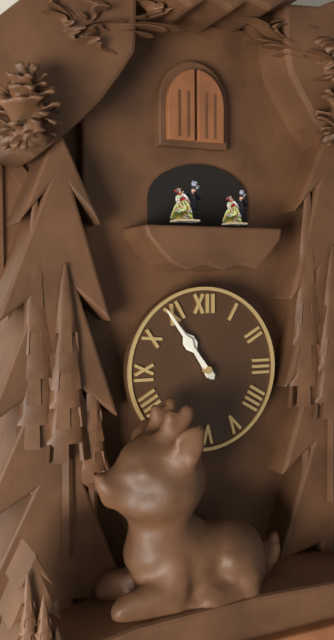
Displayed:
10:54
